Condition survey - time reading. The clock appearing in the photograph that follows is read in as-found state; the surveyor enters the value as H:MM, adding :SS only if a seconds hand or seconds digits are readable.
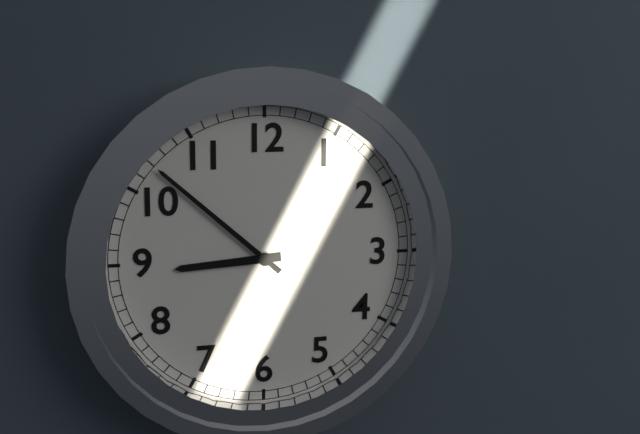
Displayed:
8:52
